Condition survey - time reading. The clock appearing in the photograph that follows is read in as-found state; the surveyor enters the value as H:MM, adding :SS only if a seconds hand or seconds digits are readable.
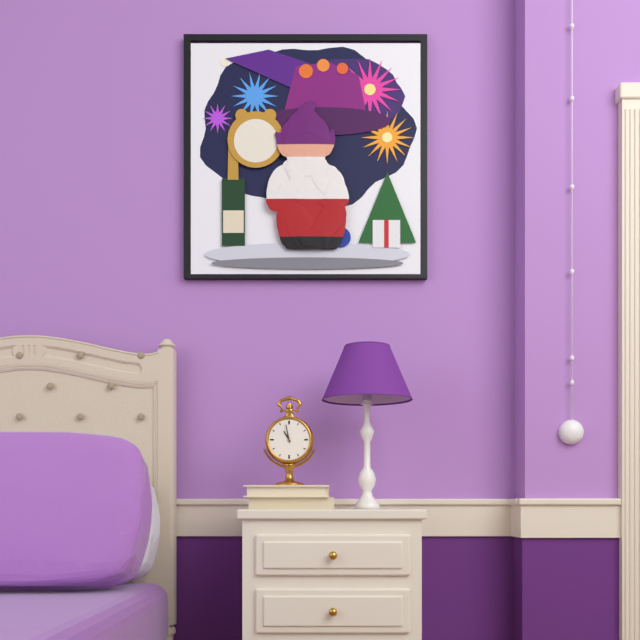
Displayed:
10:58
